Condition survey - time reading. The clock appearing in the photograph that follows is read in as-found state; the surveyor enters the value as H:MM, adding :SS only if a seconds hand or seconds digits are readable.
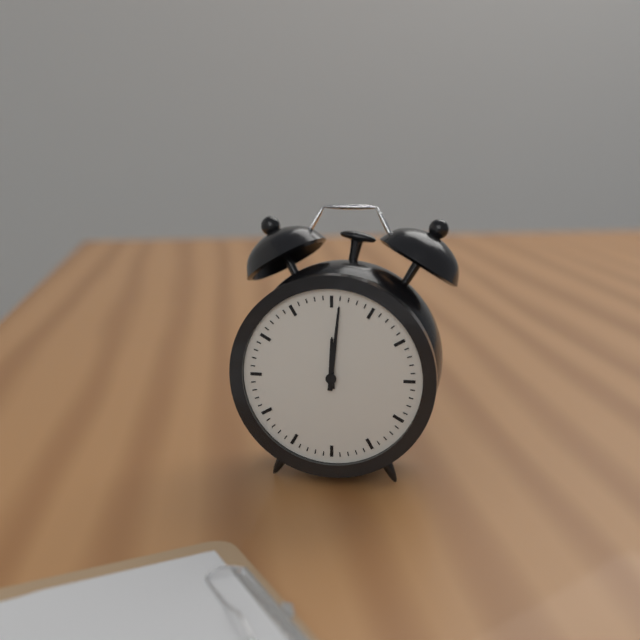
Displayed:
12:01
